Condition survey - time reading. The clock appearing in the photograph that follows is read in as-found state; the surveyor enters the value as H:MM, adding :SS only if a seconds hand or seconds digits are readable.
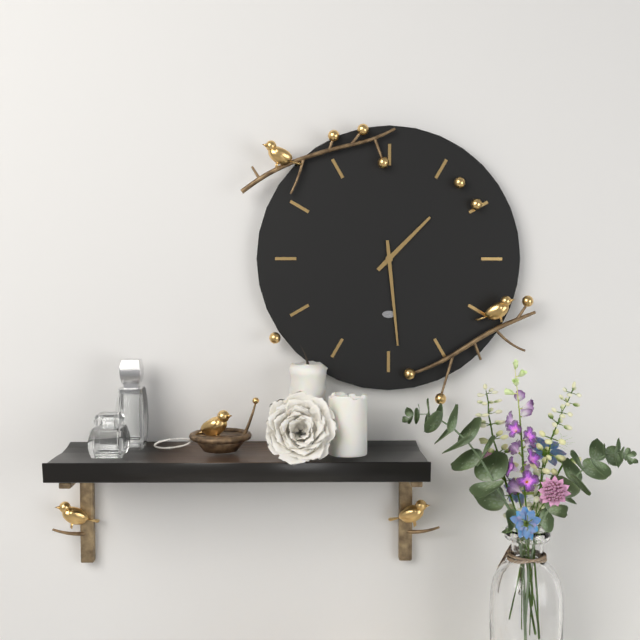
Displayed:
1:29
